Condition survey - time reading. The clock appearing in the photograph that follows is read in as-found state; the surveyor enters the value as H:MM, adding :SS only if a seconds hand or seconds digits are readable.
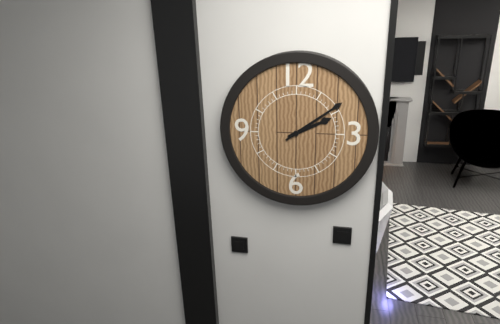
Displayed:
2:09
